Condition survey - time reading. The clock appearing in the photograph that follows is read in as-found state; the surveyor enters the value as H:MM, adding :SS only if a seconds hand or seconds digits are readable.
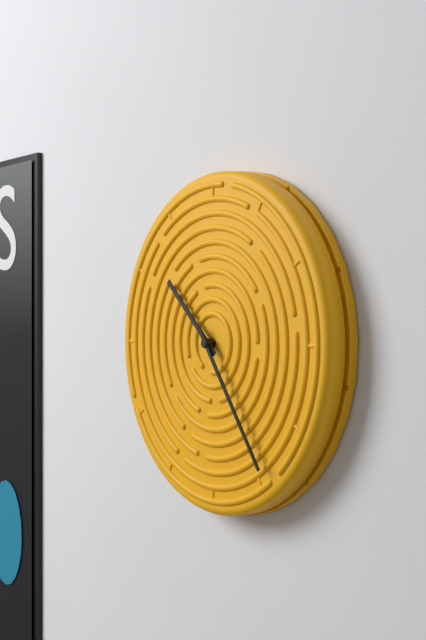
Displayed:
10:24
